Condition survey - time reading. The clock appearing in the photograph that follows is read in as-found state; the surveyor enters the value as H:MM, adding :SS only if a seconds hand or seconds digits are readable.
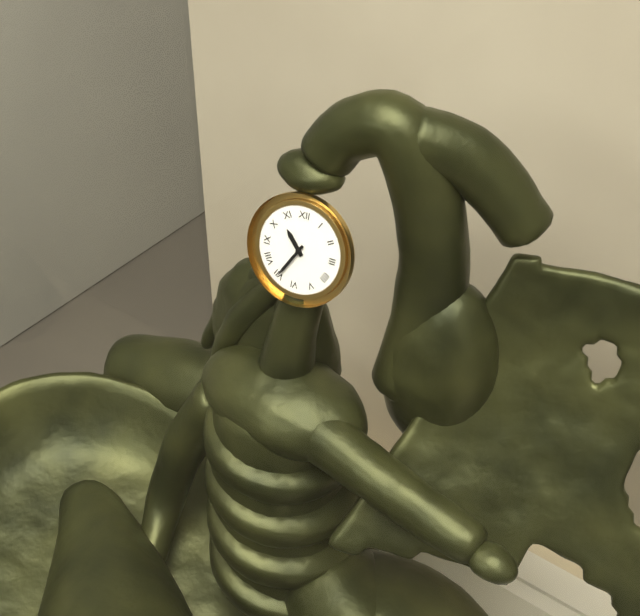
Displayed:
10:35
